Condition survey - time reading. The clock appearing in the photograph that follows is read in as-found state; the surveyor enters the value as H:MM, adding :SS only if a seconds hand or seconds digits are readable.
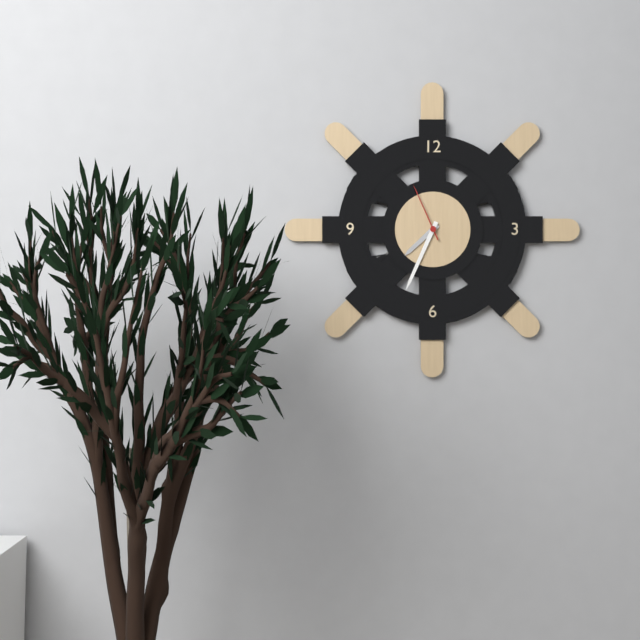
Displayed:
7:34:56
